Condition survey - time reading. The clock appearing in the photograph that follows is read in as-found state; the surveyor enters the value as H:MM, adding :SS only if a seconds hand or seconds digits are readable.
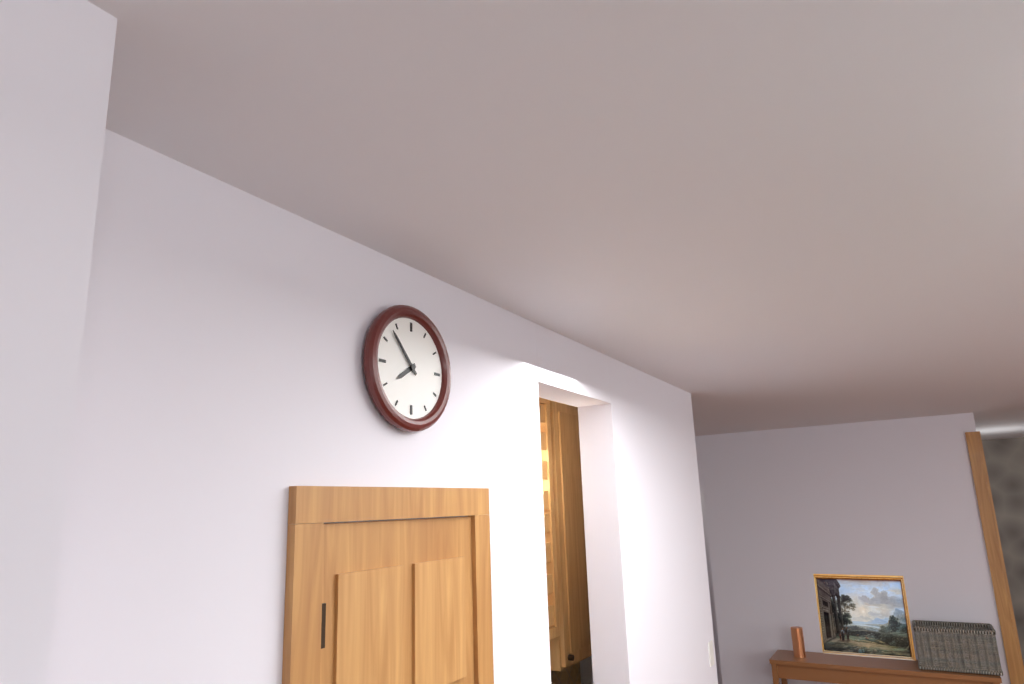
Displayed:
7:53
